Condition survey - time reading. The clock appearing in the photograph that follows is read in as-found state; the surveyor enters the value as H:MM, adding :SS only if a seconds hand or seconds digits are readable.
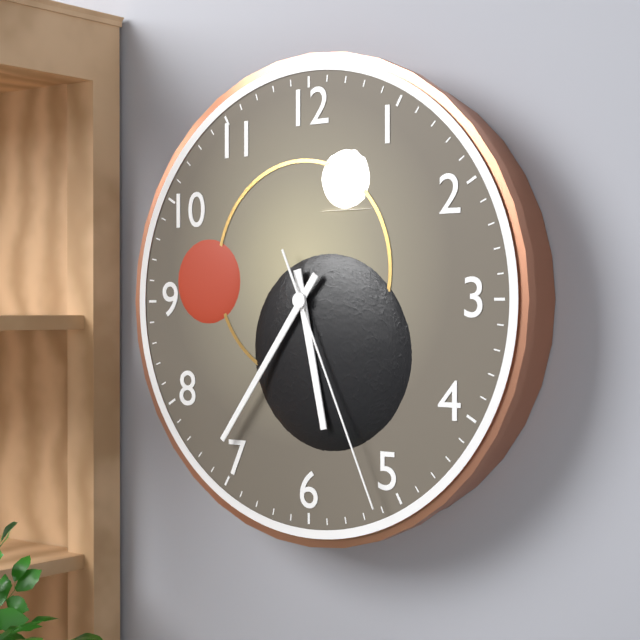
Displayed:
5:36:26
